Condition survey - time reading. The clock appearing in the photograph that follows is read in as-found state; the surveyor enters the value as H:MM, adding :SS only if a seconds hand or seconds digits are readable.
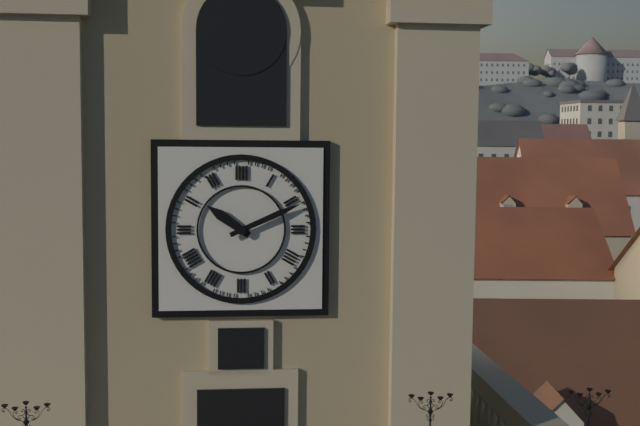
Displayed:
10:11
